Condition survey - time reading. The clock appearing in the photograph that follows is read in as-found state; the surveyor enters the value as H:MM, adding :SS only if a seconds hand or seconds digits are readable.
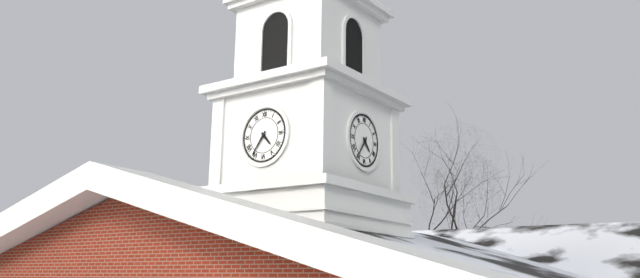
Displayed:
4:36
